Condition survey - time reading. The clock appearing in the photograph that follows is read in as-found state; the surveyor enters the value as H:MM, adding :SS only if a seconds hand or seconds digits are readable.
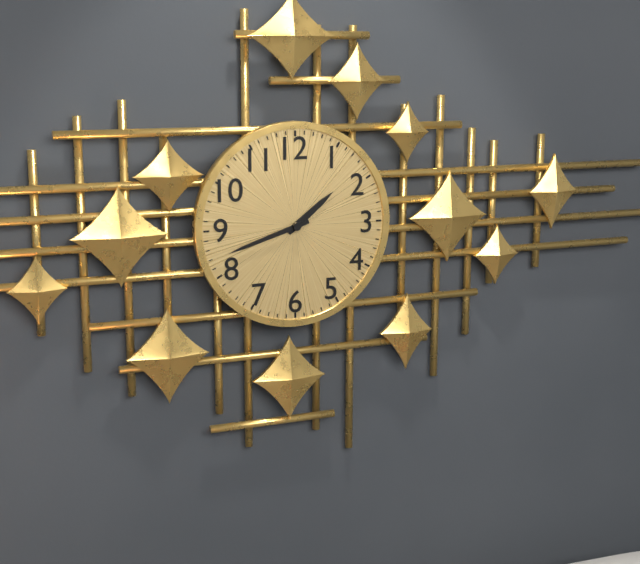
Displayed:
1:42
